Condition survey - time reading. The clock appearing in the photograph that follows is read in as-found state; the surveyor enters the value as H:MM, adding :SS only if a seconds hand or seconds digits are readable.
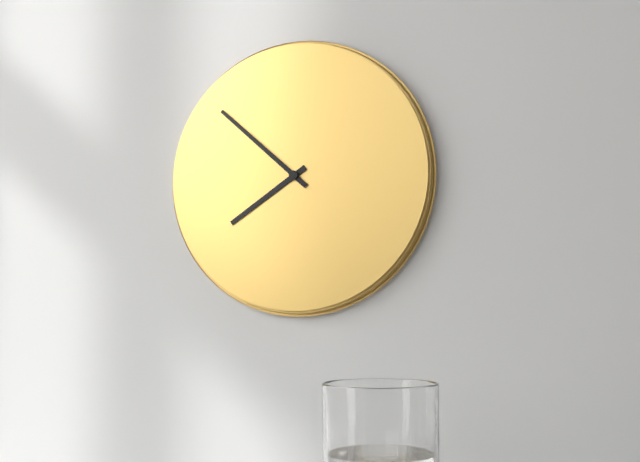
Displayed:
7:52
